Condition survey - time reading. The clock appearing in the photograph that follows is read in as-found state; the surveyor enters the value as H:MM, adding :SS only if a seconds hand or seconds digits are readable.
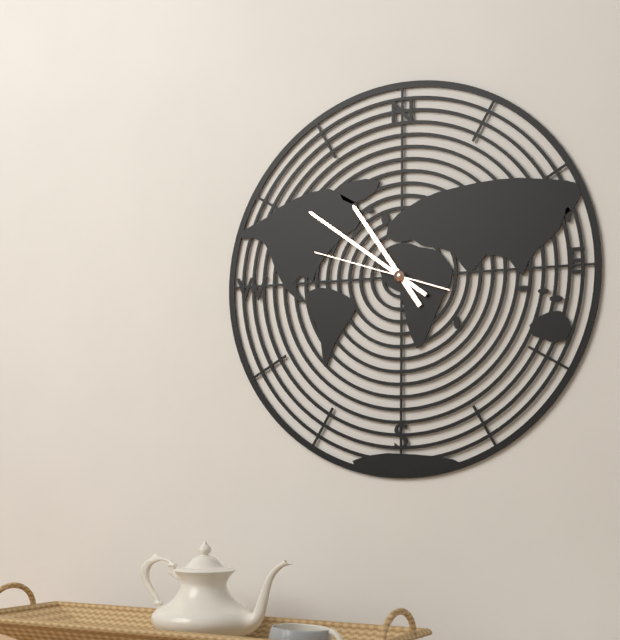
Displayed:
10:51:48
